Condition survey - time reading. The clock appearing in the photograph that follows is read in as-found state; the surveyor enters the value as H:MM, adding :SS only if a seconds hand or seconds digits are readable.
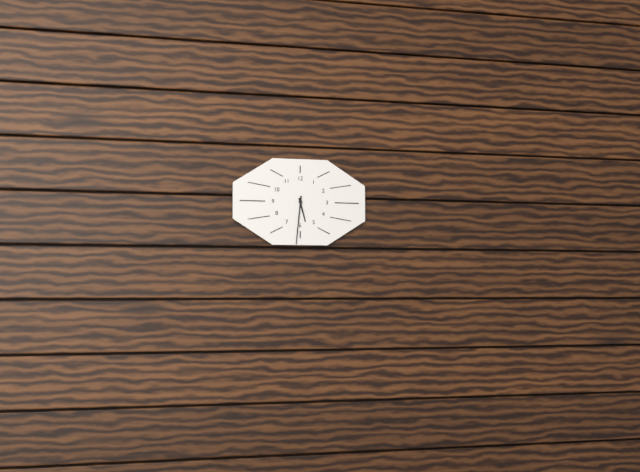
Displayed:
5:31
